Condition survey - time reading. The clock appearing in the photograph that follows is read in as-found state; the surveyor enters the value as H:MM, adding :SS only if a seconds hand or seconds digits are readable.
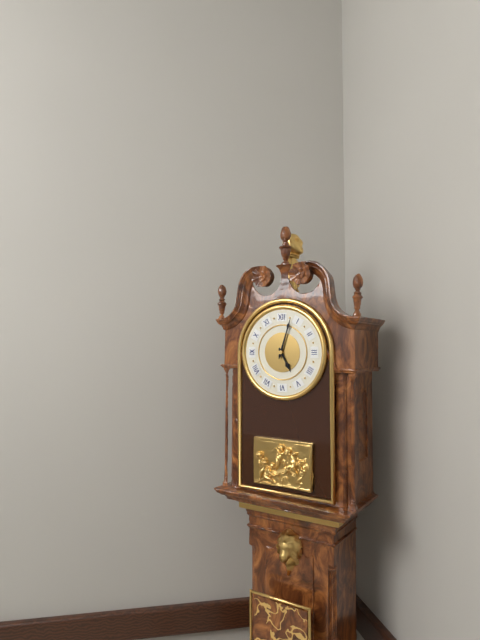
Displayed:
5:03
